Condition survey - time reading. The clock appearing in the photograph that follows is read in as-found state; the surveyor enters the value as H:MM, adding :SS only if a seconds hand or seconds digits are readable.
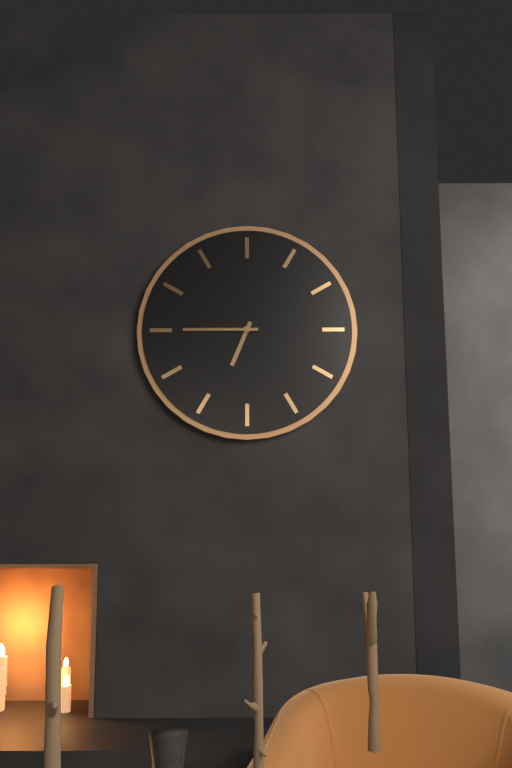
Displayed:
6:45
